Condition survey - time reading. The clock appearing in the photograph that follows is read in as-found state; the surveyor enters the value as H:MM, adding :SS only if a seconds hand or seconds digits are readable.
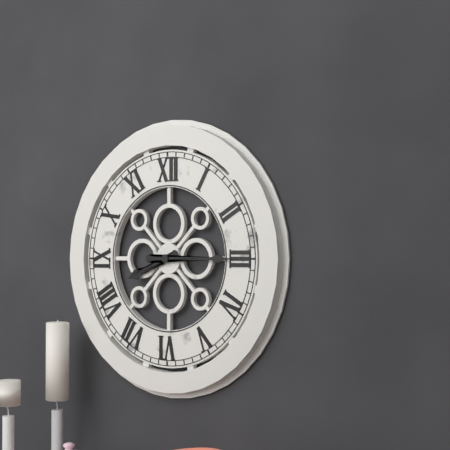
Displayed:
8:15
